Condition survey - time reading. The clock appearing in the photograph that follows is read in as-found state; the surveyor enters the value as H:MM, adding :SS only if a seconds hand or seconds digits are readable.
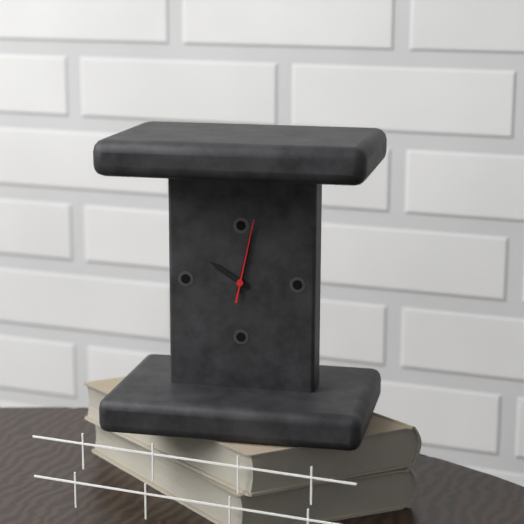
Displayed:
10:02:02
